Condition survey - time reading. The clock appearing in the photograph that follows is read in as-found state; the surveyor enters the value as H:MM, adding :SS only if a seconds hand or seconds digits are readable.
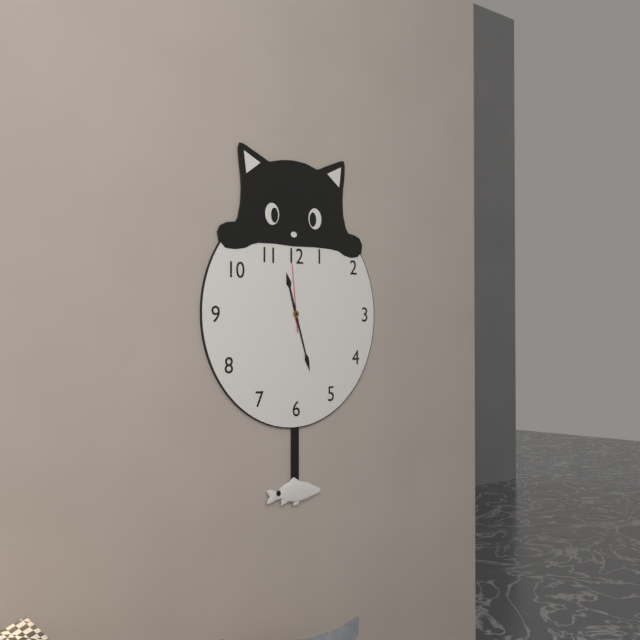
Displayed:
11:27:59
